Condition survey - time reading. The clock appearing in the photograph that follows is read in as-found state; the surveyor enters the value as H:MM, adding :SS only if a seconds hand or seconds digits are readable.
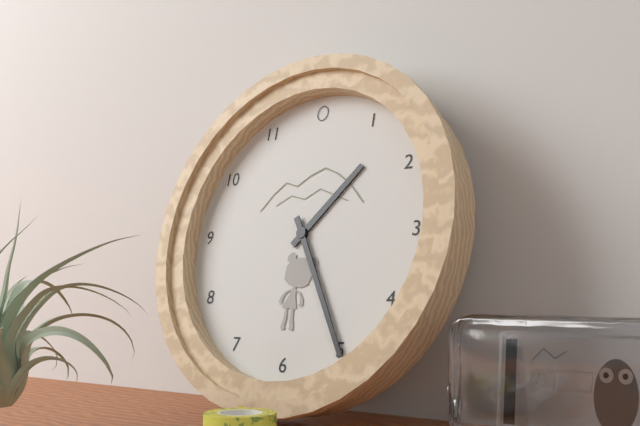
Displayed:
1:25
